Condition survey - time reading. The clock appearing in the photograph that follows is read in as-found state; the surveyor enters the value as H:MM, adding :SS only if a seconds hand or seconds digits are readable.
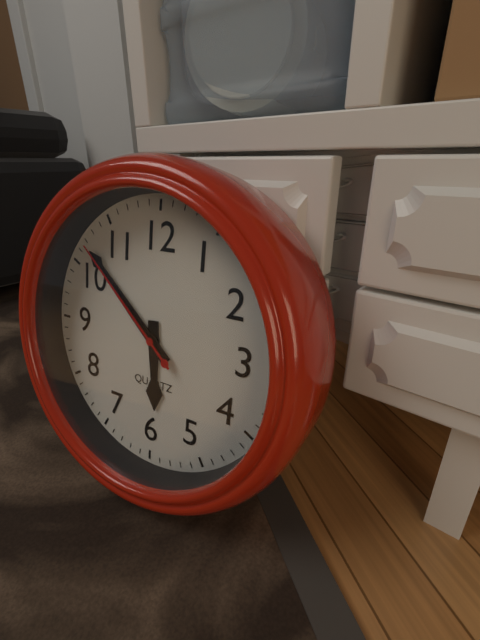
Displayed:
5:52:52
